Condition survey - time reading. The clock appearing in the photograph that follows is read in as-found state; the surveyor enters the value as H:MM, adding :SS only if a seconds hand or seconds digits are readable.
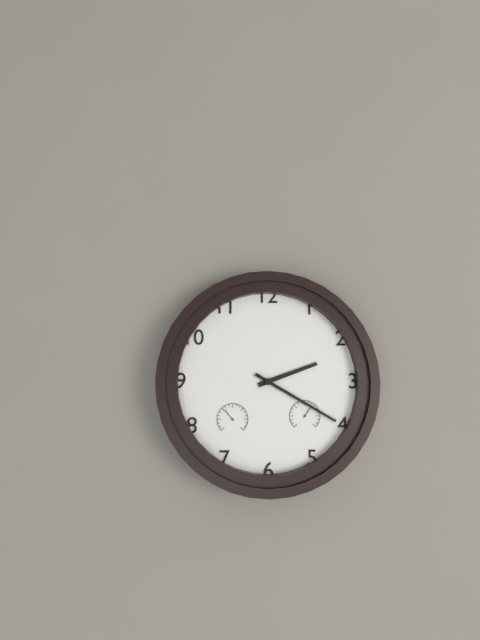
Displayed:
2:20
